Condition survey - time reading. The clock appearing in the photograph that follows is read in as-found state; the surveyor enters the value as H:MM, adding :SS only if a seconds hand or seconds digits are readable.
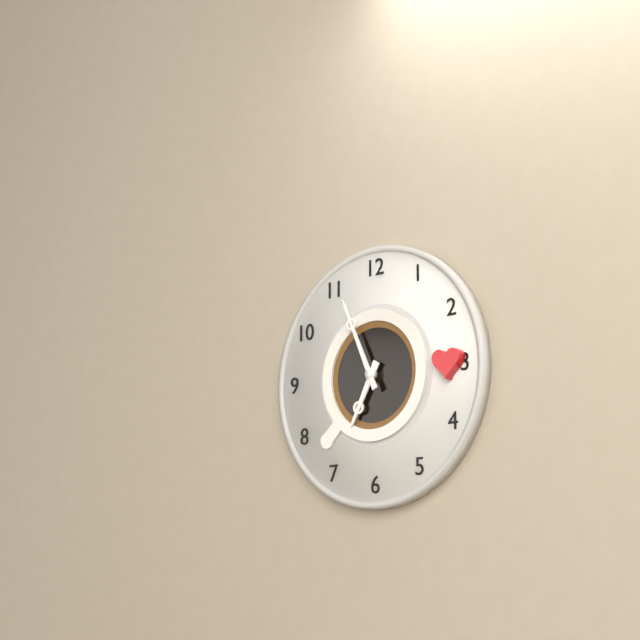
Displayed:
6:56
